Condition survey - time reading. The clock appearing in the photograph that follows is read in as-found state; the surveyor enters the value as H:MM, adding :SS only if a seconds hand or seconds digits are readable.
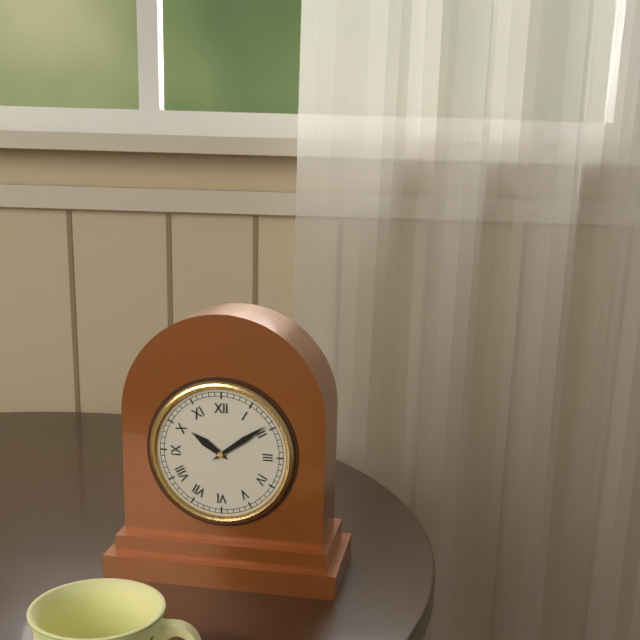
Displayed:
10:09
